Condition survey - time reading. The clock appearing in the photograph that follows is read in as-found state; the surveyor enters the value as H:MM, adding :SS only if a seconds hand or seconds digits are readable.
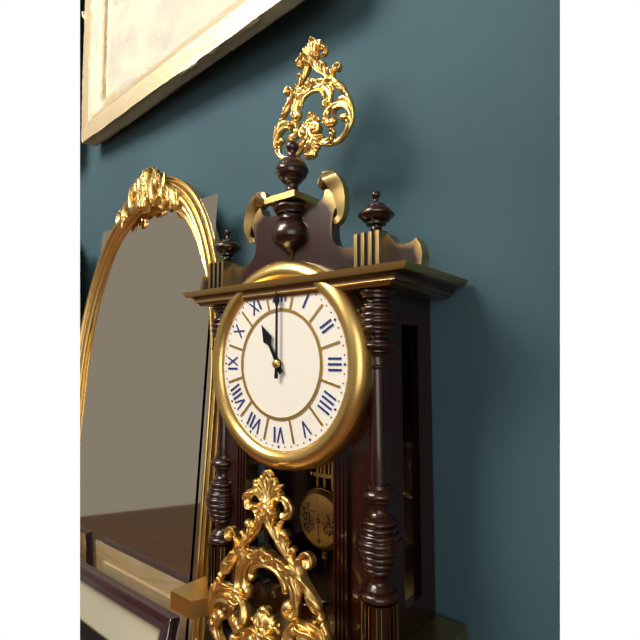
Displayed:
11:00
